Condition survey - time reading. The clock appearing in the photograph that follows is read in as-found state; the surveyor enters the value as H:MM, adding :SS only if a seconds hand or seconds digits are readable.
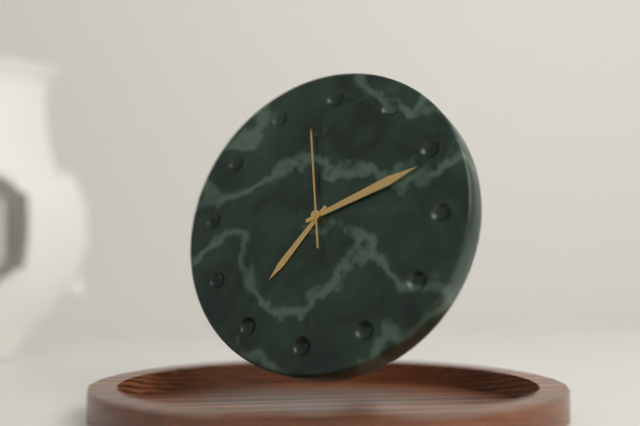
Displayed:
7:11:58
